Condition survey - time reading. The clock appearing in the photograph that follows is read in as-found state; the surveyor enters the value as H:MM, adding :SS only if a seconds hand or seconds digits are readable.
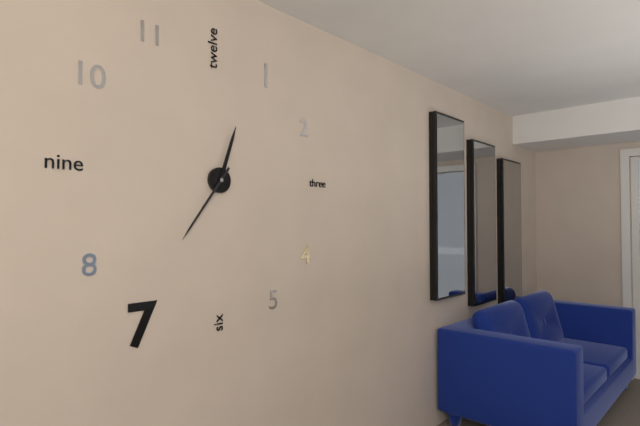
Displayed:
12:36
